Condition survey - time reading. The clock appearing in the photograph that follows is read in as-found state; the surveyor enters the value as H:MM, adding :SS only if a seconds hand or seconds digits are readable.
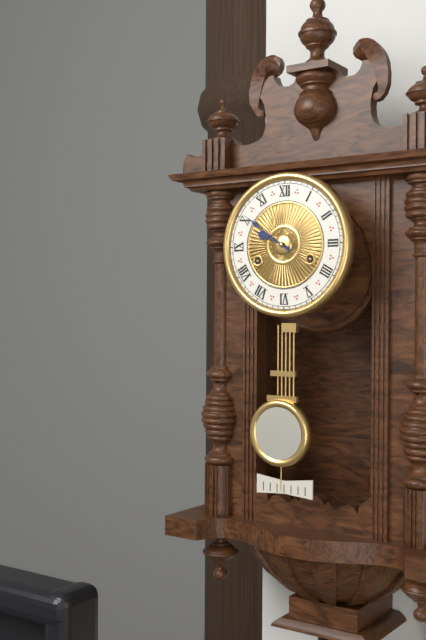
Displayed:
9:51
